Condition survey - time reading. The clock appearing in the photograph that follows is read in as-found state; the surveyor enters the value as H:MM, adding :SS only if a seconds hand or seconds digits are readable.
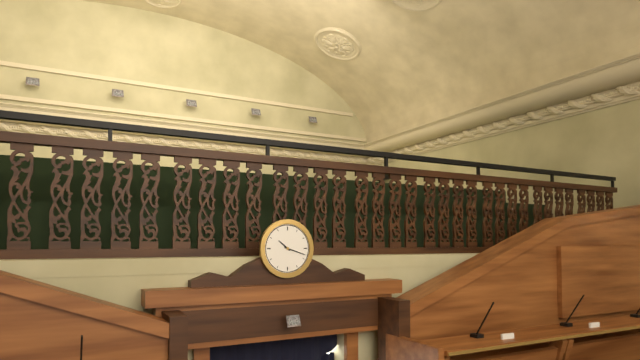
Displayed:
10:18
